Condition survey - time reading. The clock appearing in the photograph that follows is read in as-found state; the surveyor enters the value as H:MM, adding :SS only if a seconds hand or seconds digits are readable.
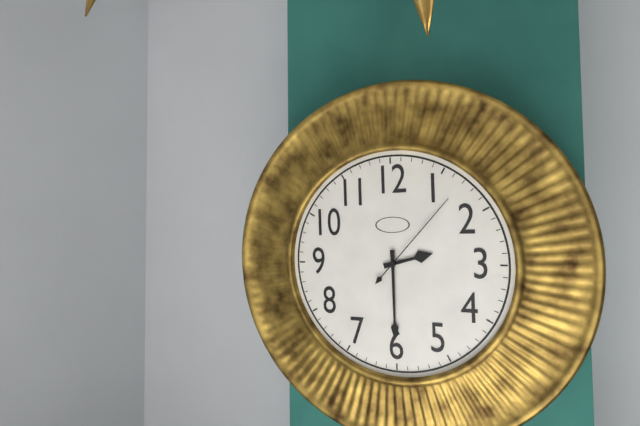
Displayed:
2:30:07
